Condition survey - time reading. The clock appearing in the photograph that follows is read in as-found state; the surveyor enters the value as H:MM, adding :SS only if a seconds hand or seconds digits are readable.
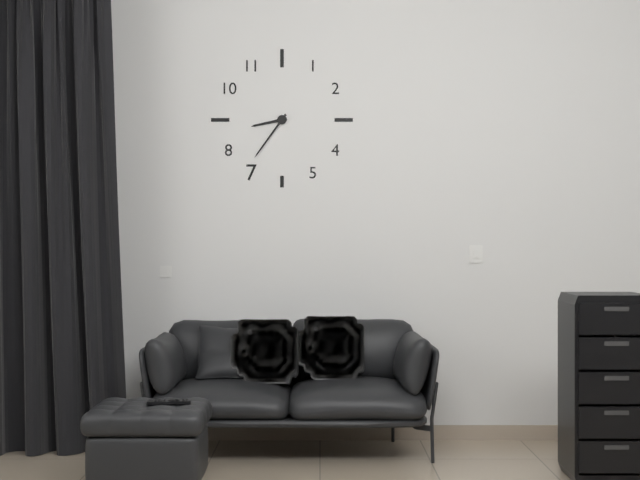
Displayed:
8:36
